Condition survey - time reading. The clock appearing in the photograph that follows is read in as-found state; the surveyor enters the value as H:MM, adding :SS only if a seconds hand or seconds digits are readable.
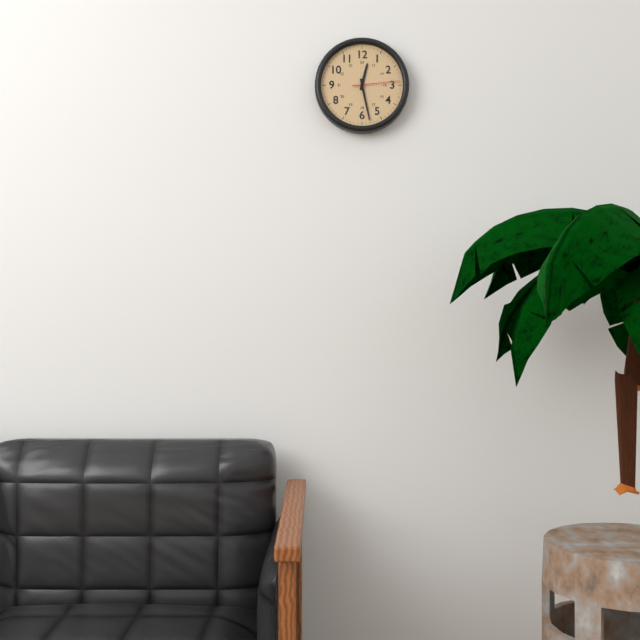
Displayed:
12:28
